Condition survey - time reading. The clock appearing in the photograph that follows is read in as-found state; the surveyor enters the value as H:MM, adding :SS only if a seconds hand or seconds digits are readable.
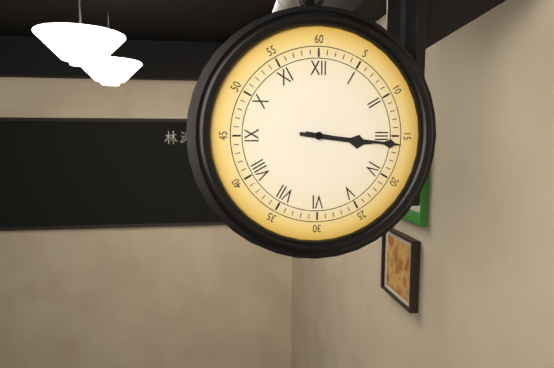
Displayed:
3:16
